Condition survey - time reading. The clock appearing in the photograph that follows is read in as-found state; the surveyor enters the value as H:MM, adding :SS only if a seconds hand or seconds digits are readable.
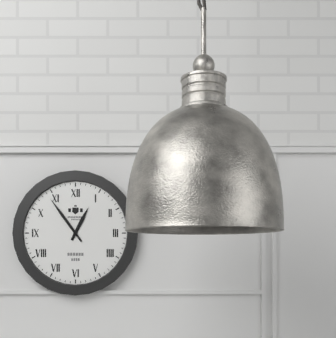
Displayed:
12:54
